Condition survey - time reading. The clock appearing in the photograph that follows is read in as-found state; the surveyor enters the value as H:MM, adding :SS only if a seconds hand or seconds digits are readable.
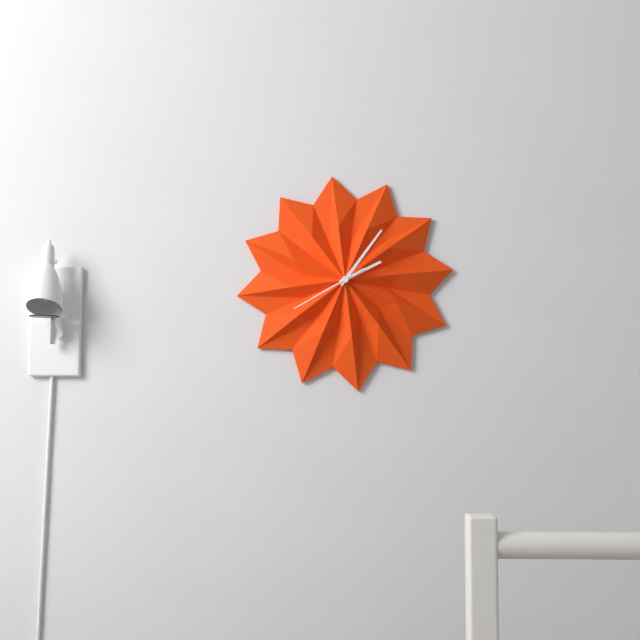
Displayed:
2:06:40
